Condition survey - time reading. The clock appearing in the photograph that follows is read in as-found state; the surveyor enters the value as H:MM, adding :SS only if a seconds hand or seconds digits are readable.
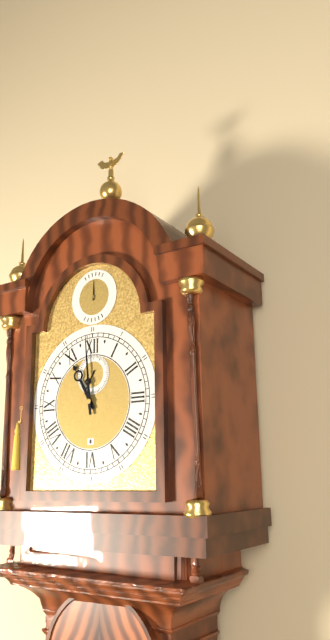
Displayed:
10:59
